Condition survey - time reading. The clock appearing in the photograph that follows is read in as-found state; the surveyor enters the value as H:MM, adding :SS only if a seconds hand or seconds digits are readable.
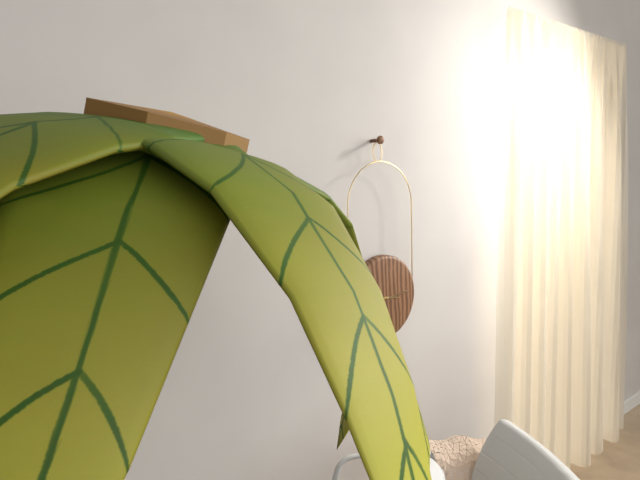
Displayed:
3:14
